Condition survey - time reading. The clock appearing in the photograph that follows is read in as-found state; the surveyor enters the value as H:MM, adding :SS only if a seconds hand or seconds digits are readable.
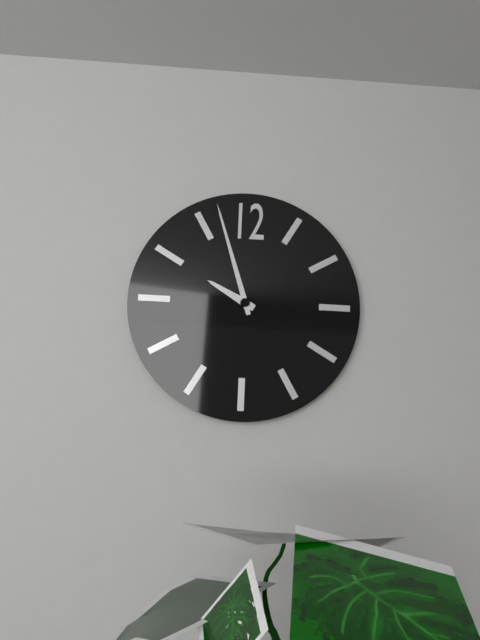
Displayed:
9:57
